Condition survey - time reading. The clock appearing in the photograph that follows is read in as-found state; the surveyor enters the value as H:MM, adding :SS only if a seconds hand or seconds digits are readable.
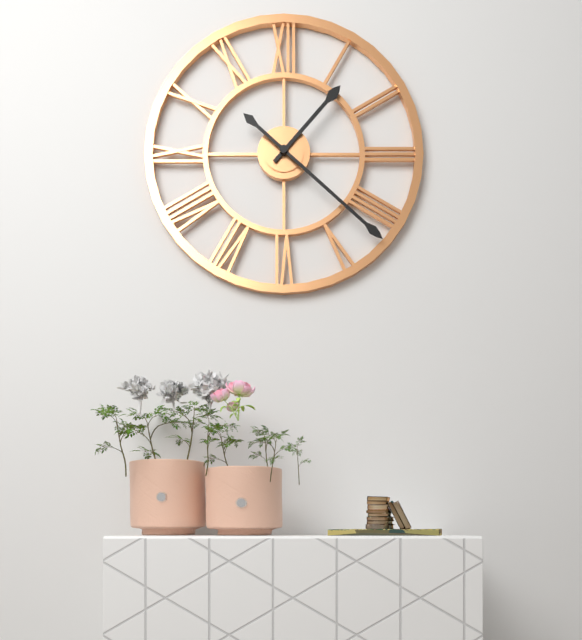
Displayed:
1:22
